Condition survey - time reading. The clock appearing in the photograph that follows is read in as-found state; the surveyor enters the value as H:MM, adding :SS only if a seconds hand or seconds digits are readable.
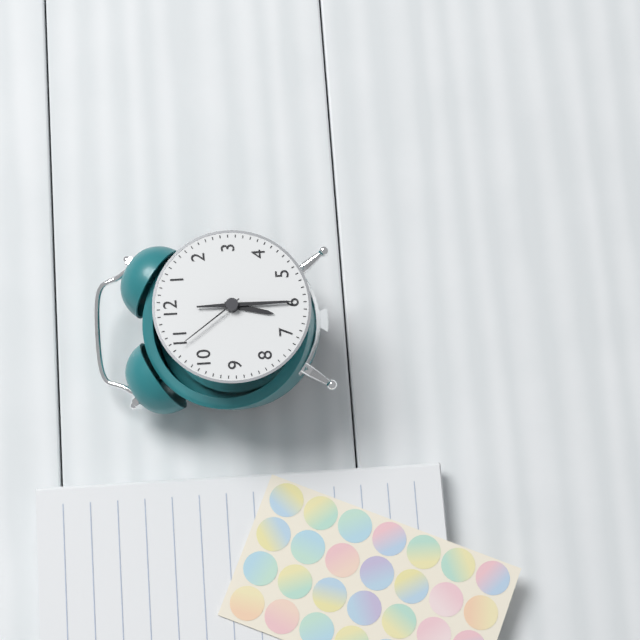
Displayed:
6:30:54
